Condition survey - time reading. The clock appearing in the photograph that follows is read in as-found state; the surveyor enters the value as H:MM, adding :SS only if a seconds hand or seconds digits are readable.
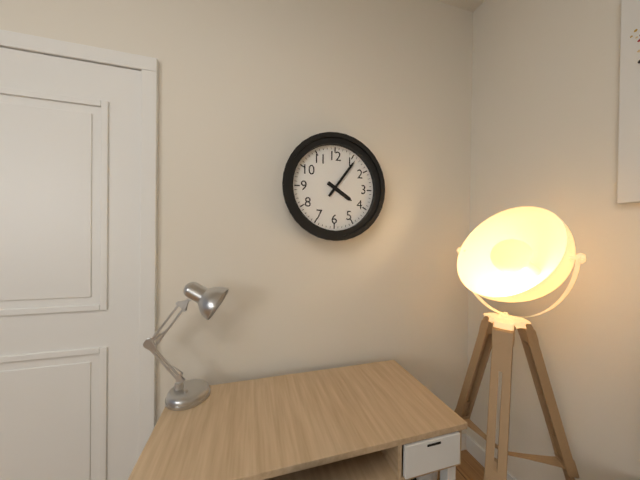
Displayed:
4:06
